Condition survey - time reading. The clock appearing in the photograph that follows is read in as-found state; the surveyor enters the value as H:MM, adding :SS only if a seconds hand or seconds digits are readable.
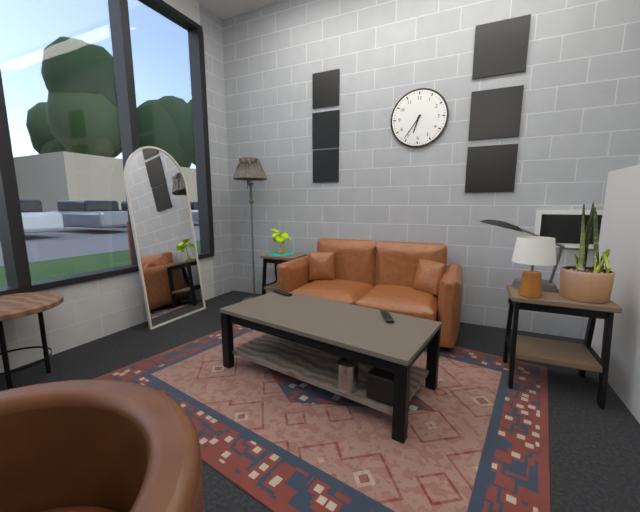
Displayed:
6:36
